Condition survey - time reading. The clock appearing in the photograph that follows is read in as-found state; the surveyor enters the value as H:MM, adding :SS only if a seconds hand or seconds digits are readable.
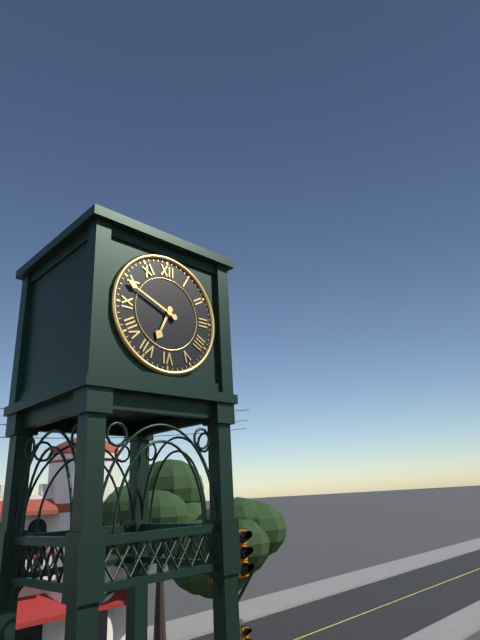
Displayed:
6:49
